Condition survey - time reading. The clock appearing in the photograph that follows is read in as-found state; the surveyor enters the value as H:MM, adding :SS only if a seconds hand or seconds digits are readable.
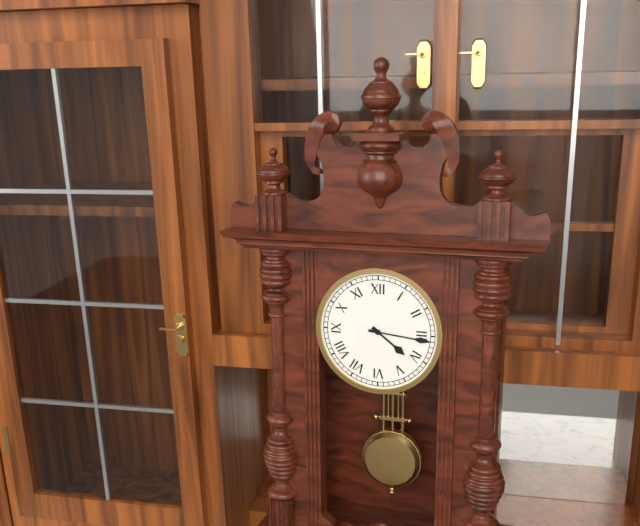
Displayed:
4:16
